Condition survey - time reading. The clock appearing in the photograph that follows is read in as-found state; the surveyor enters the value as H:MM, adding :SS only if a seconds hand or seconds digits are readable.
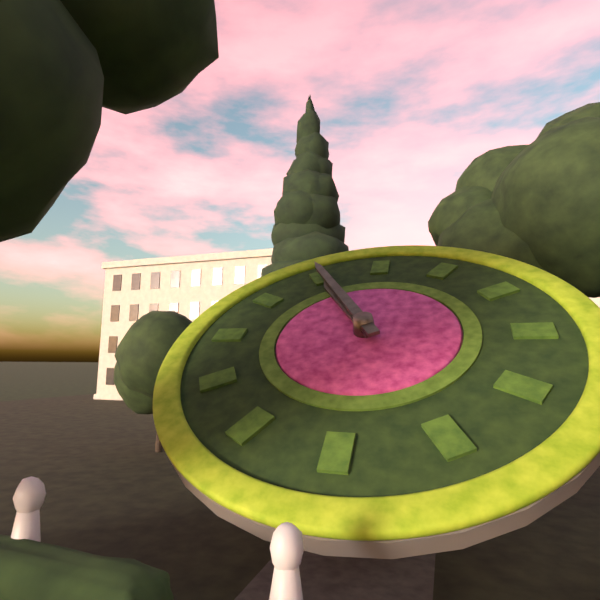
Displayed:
10:55
